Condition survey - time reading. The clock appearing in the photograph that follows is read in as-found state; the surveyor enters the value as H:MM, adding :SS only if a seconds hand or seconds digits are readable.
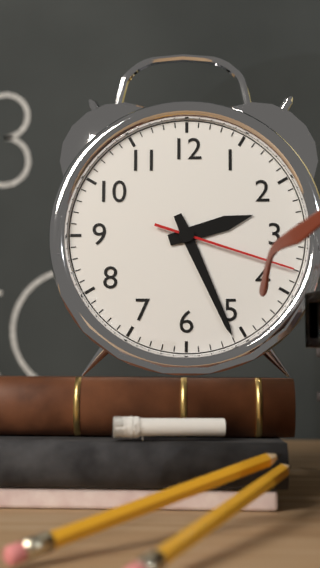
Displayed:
2:26:18
